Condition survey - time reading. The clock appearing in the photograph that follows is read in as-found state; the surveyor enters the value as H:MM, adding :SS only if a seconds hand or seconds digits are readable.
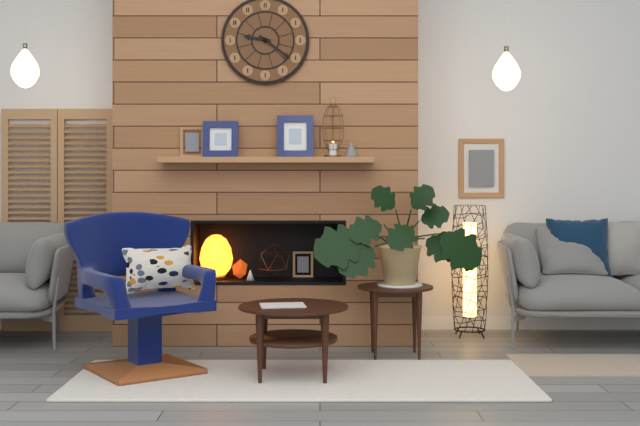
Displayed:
9:21
